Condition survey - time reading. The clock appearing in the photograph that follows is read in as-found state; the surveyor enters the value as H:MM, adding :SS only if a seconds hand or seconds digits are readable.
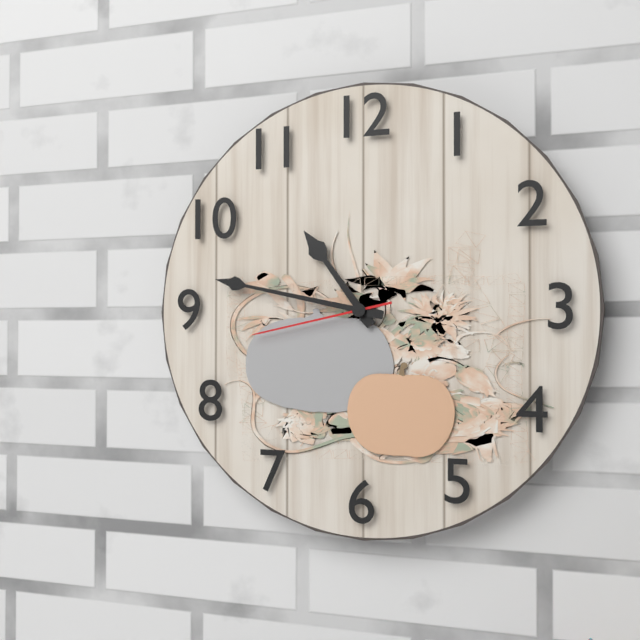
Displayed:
10:47:43
